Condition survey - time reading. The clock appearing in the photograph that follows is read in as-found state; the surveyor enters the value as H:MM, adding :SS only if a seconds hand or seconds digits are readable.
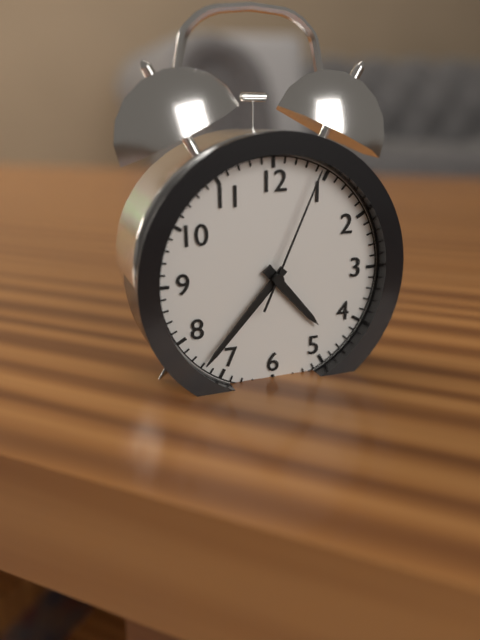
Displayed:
4:37:04
